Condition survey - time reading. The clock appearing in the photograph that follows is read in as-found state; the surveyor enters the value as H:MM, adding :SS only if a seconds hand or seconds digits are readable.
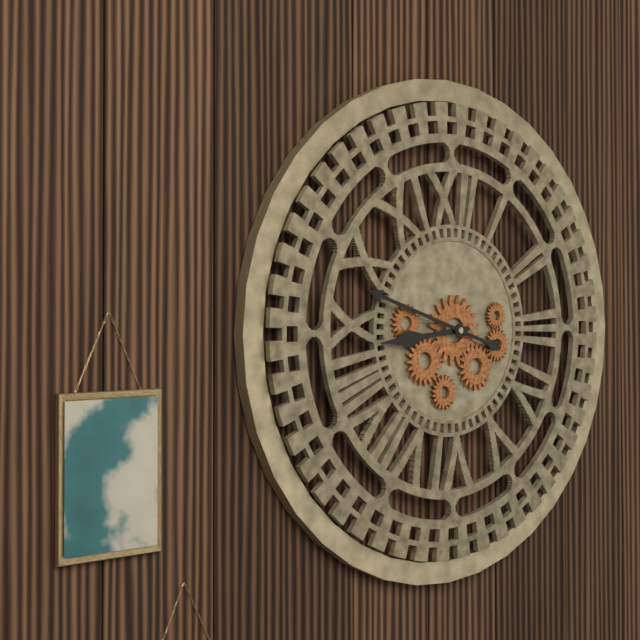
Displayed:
8:48
